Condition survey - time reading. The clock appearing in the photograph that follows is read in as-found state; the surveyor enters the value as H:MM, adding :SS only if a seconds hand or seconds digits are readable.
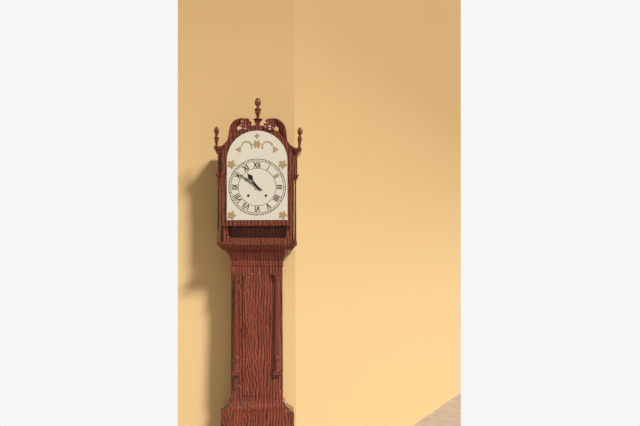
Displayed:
10:51
